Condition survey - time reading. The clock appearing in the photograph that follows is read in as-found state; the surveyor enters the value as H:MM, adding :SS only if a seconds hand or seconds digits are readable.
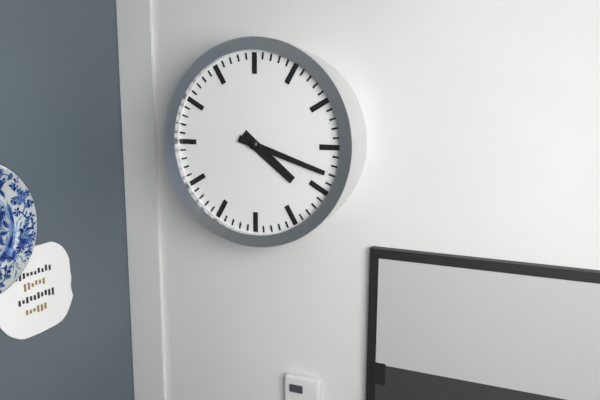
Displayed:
4:18
